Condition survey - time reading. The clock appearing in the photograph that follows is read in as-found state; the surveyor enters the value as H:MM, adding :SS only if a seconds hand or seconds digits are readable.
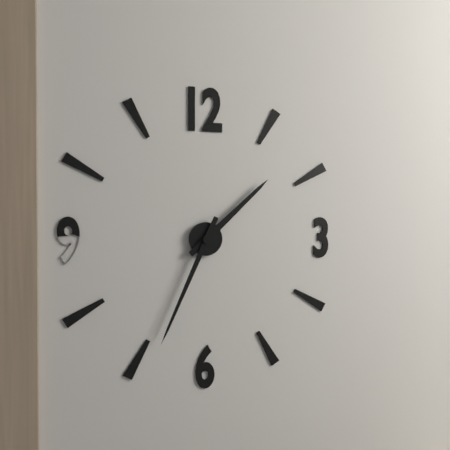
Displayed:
1:34
